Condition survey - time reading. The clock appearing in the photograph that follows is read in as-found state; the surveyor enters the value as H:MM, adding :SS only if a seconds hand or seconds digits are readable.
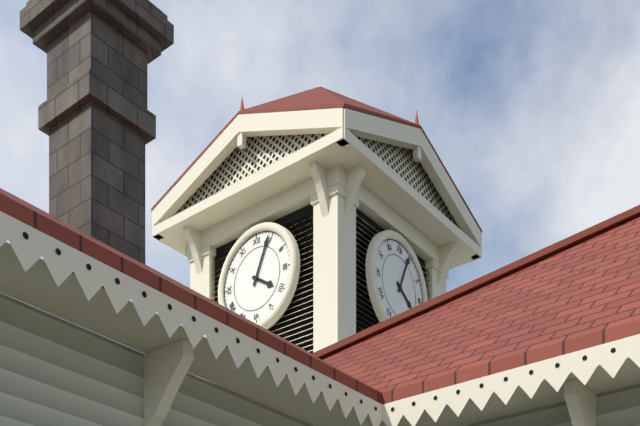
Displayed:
4:04
